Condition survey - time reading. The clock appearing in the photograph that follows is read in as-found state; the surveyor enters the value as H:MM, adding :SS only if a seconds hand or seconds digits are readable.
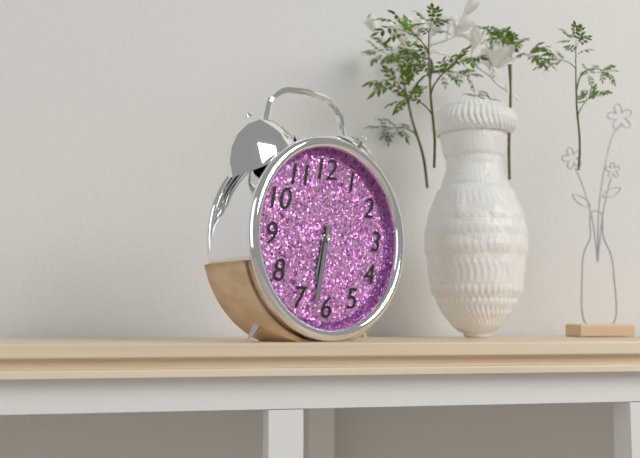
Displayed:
6:32
